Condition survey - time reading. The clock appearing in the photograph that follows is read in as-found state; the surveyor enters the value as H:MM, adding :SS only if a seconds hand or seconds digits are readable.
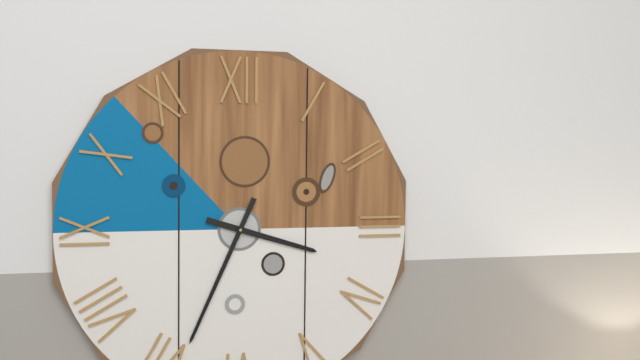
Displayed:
3:34
